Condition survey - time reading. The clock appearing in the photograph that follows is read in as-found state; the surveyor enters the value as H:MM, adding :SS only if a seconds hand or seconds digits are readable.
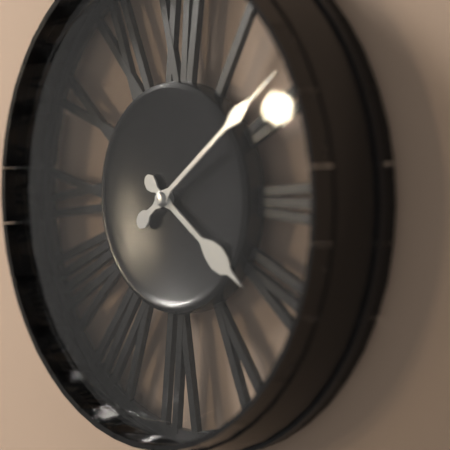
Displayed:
4:09
